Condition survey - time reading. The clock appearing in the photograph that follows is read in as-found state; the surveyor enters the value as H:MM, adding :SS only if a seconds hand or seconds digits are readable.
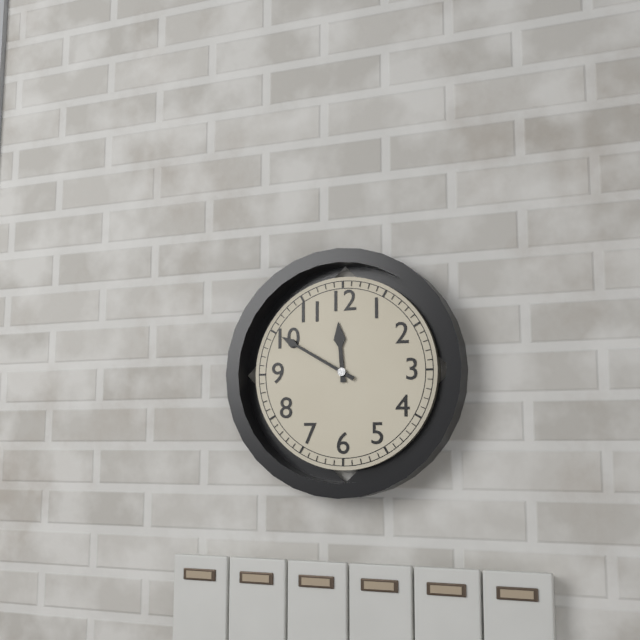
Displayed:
11:50
